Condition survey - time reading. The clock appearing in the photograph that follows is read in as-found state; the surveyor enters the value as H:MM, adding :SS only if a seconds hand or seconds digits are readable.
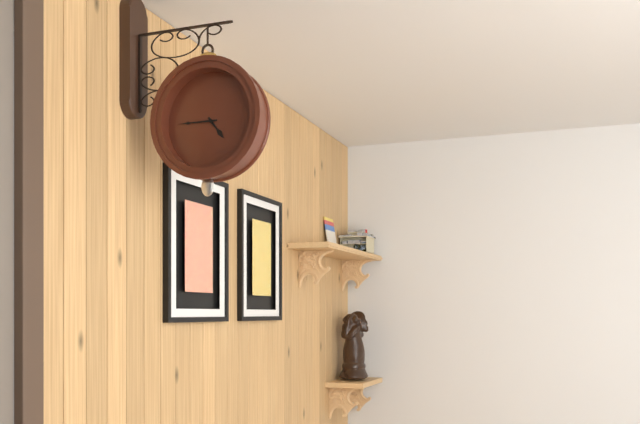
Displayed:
4:45
